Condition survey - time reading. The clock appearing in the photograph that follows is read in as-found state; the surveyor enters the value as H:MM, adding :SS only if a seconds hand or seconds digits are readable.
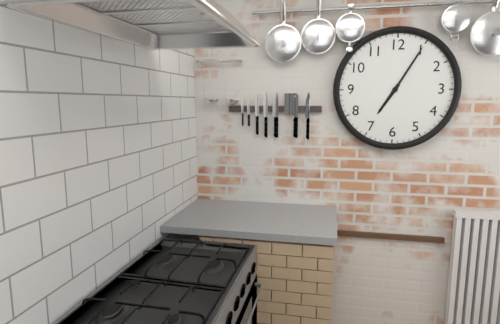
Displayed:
7:05
